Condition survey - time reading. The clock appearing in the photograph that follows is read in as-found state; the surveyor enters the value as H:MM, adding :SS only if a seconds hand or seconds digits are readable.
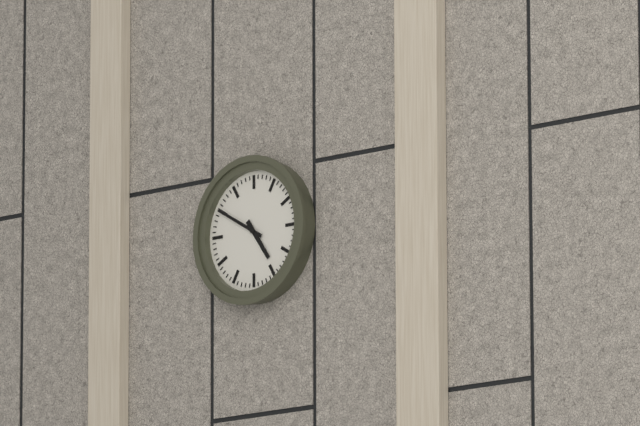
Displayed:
4:50
